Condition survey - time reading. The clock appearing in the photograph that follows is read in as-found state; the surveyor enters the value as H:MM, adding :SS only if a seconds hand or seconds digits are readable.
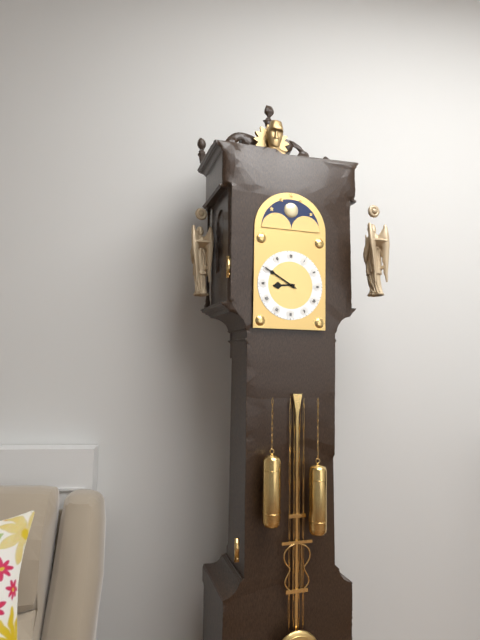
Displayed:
8:50
